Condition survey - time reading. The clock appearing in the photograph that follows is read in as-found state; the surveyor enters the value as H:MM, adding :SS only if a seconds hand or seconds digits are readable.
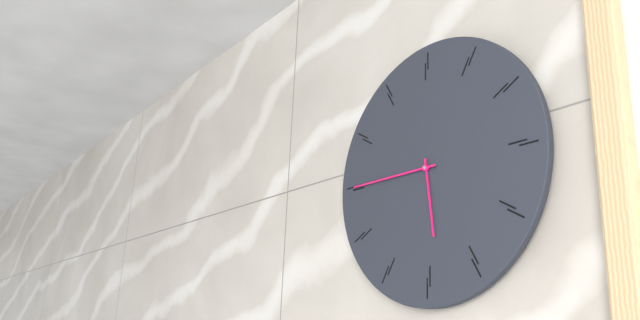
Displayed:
5:45
